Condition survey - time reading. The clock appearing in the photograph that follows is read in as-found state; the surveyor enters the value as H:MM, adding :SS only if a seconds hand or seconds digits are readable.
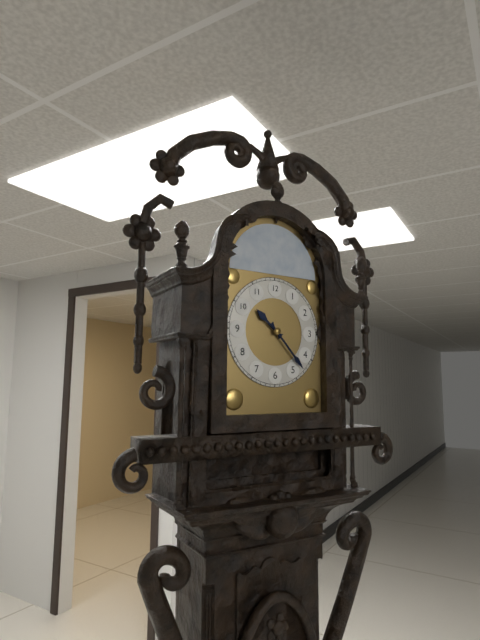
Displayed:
10:23
